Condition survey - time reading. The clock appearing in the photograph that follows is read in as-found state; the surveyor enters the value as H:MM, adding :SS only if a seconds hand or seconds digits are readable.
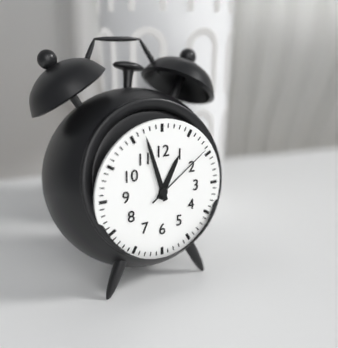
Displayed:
12:57:09
